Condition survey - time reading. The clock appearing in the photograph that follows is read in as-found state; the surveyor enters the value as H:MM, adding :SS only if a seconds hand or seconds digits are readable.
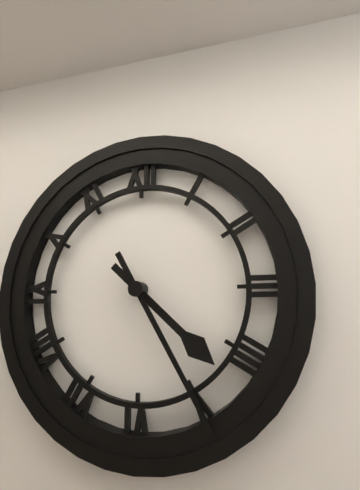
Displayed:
4:25
